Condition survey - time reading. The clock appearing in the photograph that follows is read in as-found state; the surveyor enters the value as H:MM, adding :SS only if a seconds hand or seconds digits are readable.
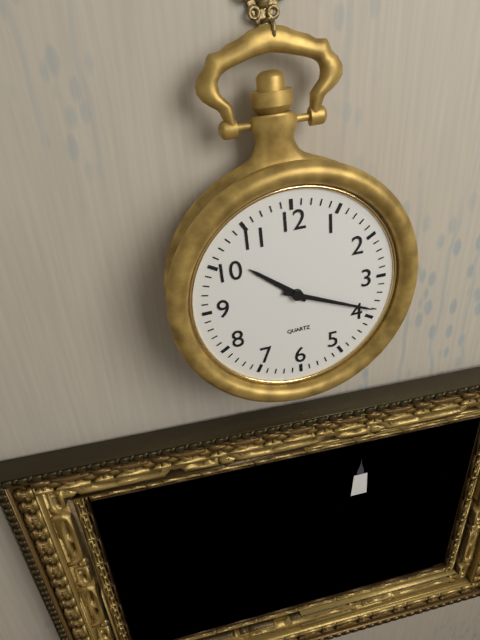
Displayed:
10:19
